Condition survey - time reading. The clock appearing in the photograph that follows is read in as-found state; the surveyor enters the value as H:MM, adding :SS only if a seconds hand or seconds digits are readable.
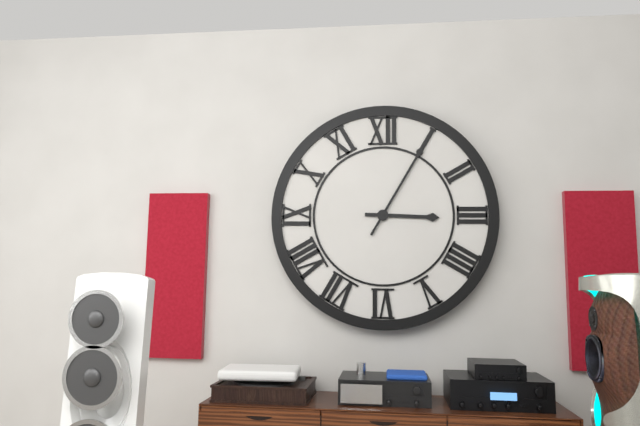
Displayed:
3:05
